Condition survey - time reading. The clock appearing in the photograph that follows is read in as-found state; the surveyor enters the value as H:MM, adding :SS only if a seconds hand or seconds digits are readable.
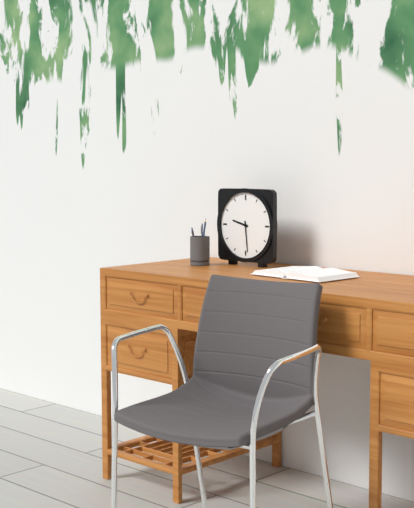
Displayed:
9:29
